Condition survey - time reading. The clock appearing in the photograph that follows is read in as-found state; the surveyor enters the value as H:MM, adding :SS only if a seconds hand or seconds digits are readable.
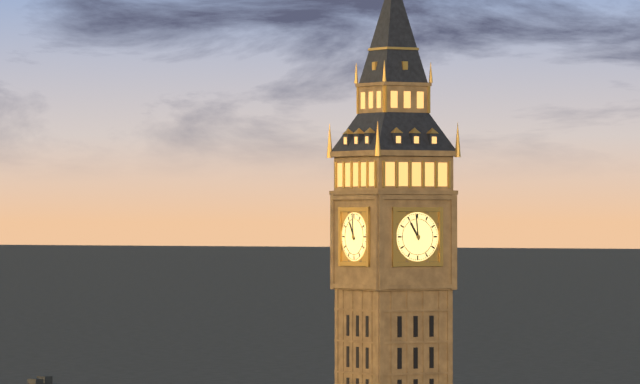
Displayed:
10:59
